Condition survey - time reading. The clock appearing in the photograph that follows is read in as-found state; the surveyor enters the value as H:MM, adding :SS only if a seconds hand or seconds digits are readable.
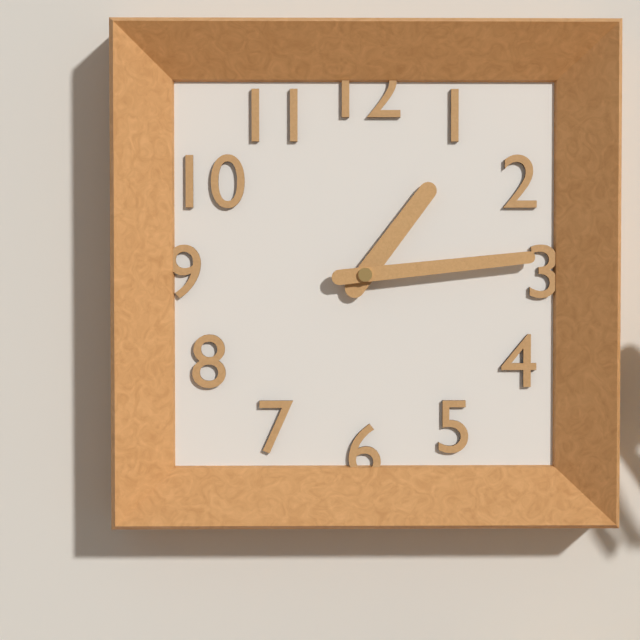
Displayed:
1:14
